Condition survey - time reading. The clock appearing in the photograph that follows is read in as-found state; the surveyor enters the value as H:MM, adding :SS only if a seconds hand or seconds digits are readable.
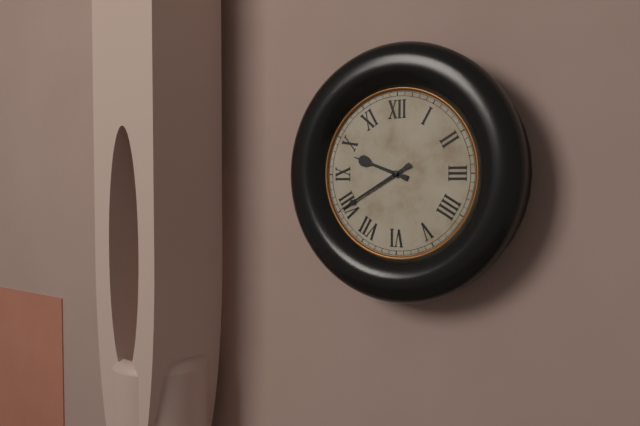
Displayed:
9:40
